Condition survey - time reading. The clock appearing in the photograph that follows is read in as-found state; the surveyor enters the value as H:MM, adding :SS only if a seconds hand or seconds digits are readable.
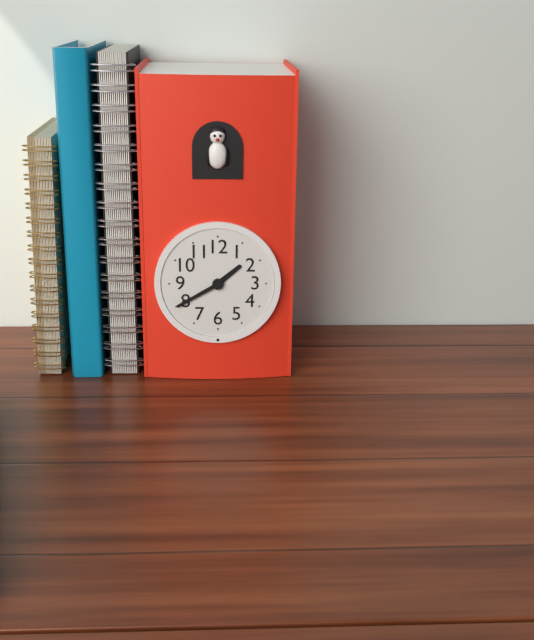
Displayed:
1:40
